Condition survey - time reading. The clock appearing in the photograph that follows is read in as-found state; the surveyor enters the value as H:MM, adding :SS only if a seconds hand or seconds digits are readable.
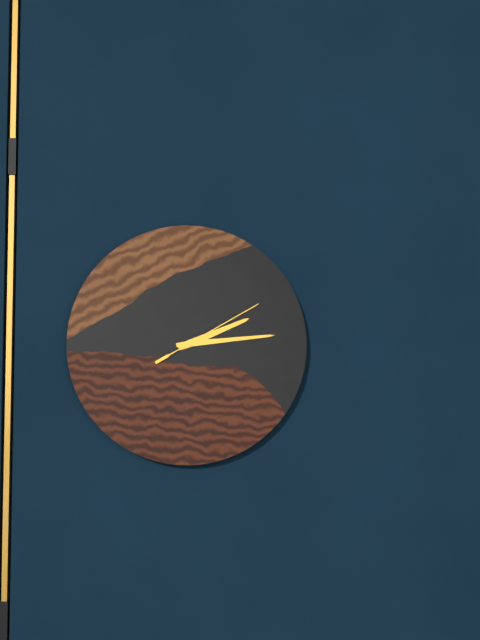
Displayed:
2:14:10
